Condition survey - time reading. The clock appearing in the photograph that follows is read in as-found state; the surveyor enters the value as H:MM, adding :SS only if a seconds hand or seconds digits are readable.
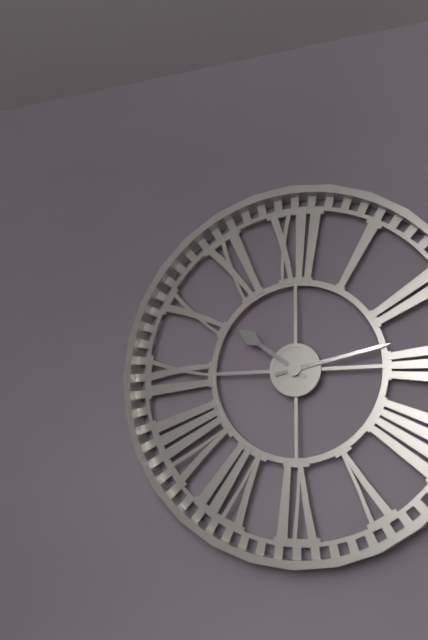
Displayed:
10:13
